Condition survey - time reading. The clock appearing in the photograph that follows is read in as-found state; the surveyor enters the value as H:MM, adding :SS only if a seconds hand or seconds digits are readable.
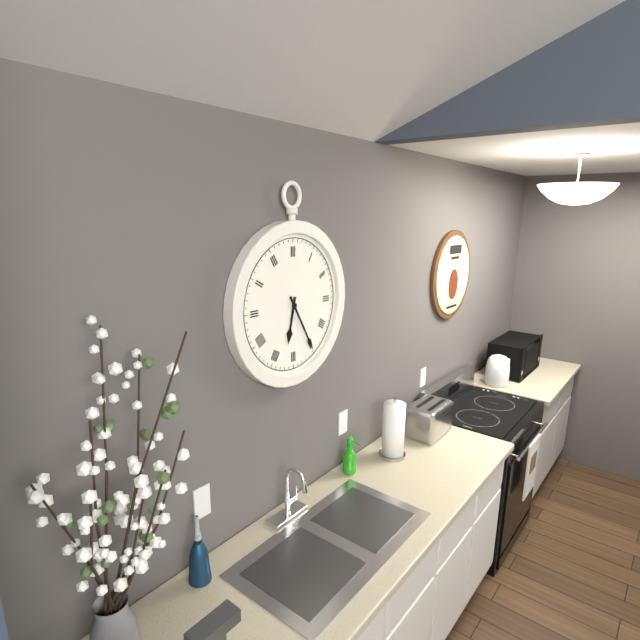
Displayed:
6:25
